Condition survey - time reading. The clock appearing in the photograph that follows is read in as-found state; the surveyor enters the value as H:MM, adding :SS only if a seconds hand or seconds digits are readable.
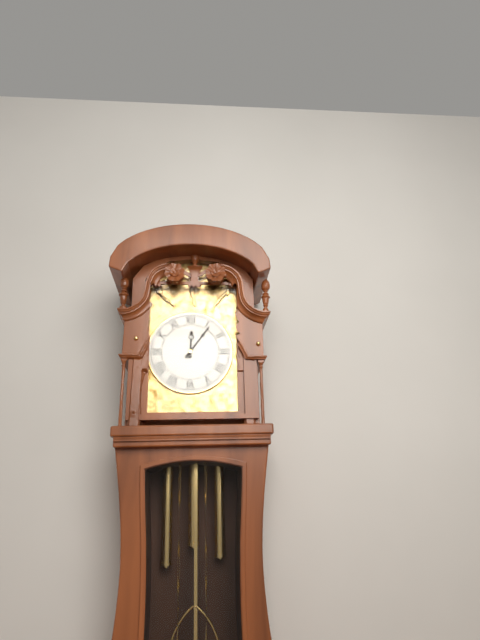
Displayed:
12:06
